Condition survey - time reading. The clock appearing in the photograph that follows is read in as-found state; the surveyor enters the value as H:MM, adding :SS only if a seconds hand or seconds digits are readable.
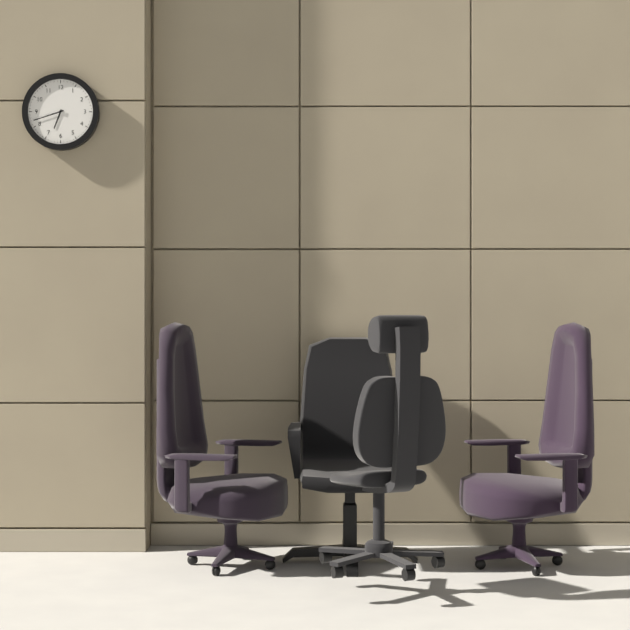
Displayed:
6:42
